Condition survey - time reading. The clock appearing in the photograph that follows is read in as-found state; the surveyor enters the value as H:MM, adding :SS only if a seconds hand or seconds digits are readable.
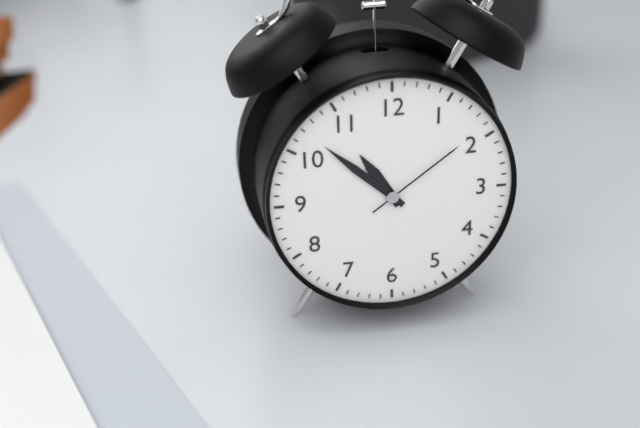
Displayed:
10:52:09
